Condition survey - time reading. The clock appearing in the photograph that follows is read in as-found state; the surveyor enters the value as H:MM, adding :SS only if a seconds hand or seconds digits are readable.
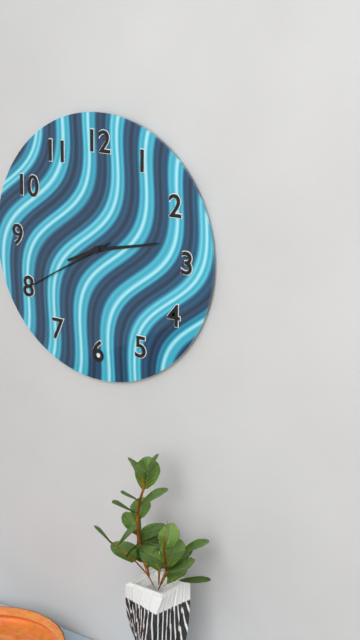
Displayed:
8:13:40
